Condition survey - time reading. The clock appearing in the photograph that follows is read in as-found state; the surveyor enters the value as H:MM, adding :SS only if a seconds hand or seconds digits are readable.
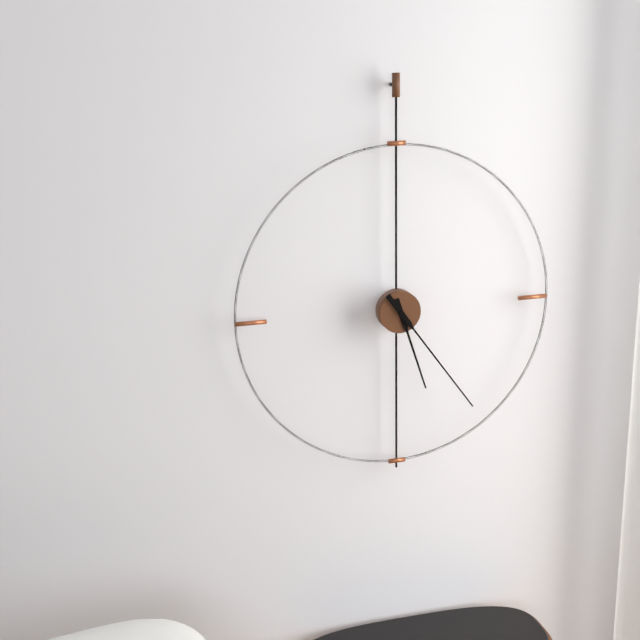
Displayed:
5:24
